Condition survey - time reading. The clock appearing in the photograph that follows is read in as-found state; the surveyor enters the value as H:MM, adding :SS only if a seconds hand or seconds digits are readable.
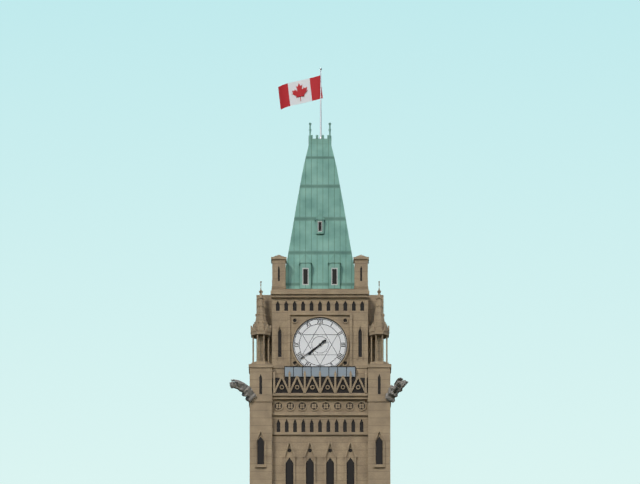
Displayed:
7:39
